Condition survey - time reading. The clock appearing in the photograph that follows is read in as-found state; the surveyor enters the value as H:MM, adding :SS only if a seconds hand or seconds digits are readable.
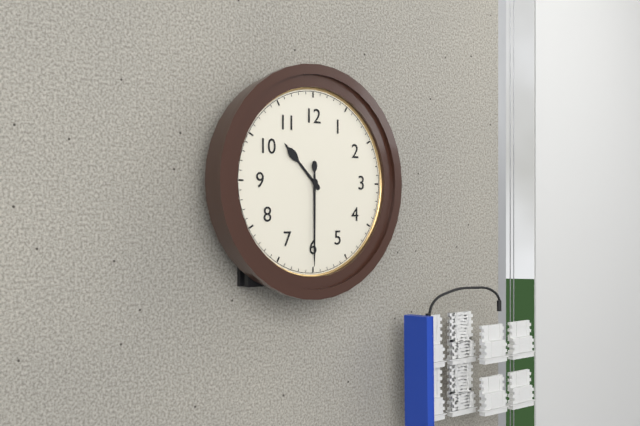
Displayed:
10:30
